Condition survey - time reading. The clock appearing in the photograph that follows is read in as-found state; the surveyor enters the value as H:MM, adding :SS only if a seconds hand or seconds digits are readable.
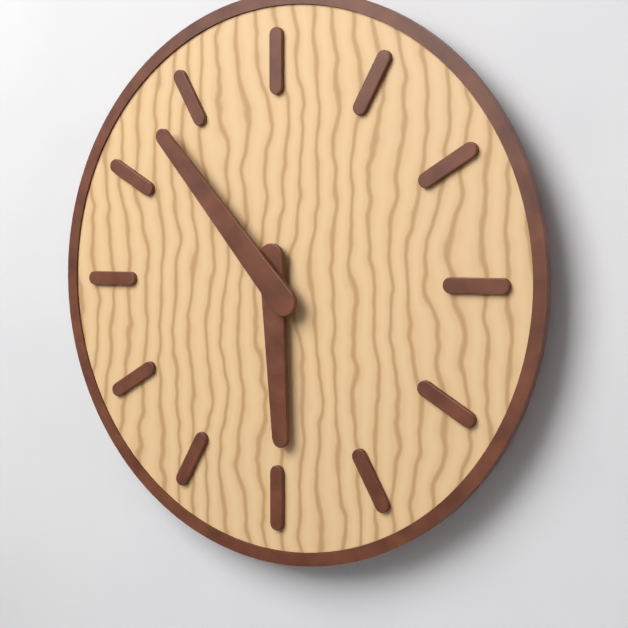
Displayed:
5:53
